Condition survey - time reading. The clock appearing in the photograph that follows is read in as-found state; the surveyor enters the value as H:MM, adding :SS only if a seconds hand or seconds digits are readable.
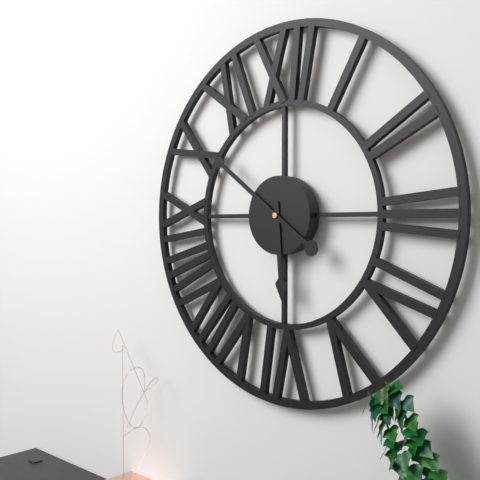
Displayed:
5:51
